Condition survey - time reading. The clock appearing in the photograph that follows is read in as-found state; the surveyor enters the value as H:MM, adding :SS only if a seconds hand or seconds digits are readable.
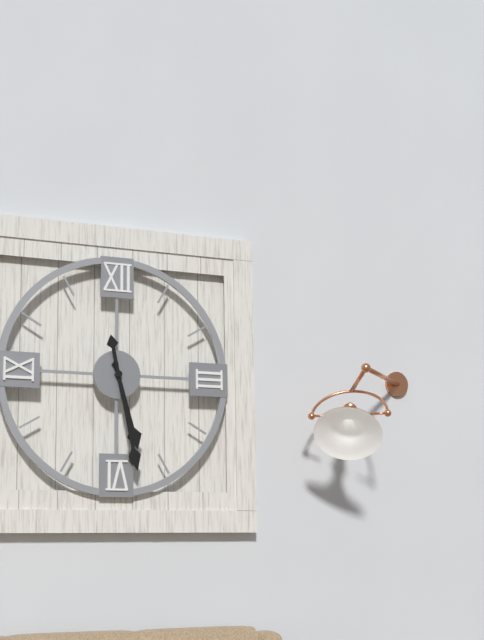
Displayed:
5:28
